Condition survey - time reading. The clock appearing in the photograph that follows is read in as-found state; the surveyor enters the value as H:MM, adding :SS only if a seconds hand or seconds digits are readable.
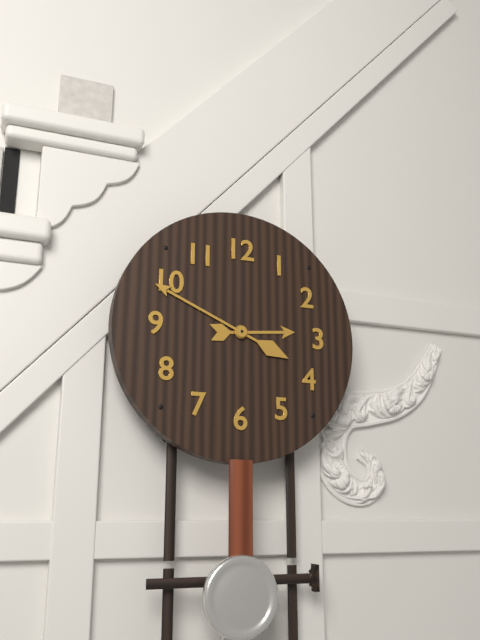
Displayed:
2:49
